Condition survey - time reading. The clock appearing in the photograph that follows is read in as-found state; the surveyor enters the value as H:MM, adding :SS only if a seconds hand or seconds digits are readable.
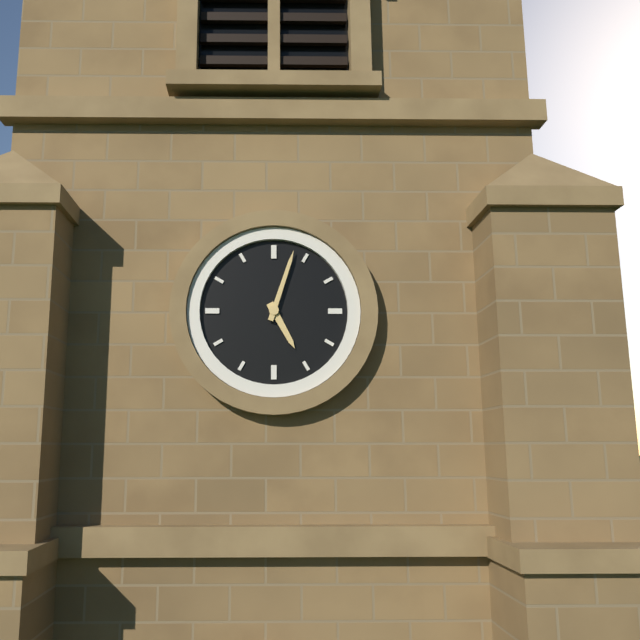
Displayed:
5:03
